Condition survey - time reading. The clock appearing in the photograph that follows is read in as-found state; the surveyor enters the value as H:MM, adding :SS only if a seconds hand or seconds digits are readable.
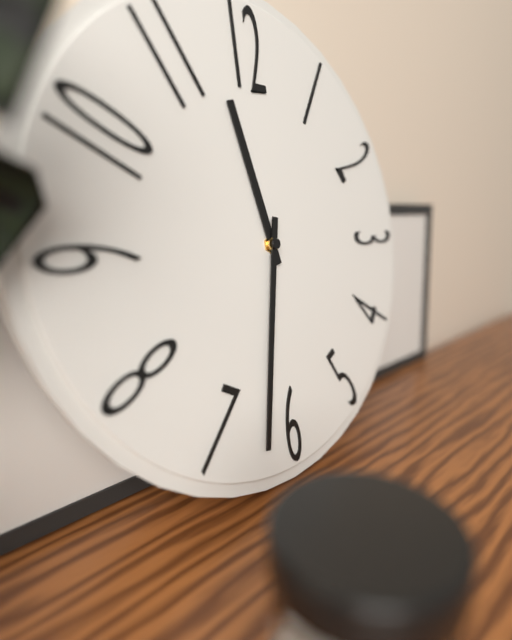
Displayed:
11:32
